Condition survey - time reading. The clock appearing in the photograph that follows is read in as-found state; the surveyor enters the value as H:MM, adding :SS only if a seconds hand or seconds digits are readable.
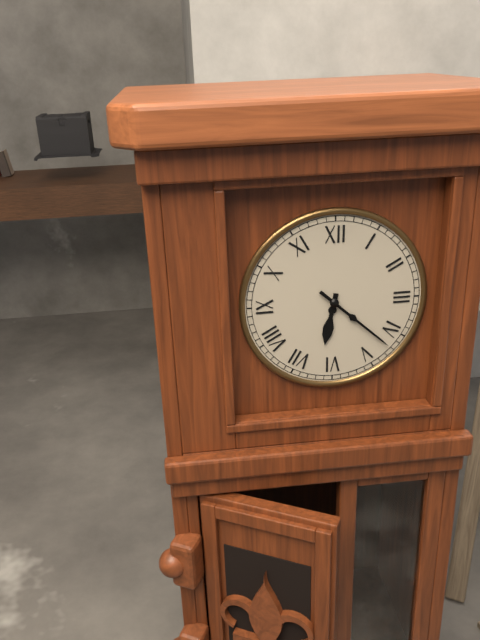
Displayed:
6:22
